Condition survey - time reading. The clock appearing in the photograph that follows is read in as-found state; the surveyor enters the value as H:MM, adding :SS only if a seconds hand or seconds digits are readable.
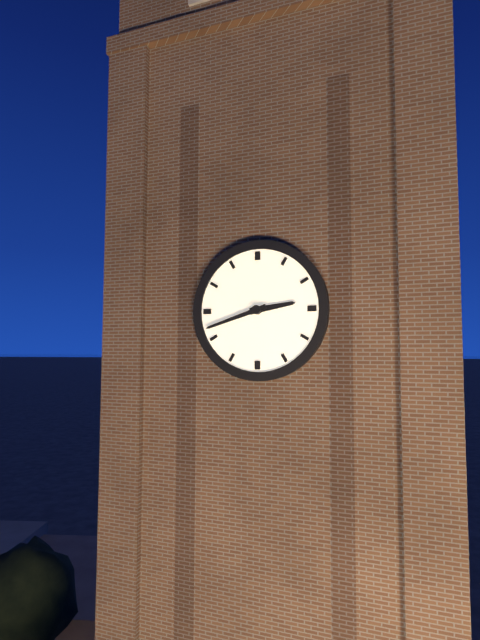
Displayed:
2:42
